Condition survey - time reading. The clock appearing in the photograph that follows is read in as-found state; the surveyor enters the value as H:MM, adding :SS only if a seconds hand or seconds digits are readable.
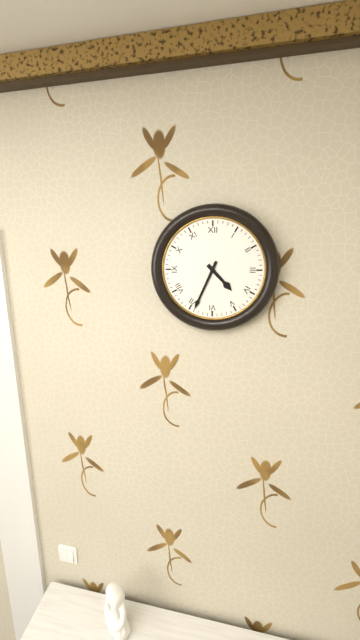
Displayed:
4:34
